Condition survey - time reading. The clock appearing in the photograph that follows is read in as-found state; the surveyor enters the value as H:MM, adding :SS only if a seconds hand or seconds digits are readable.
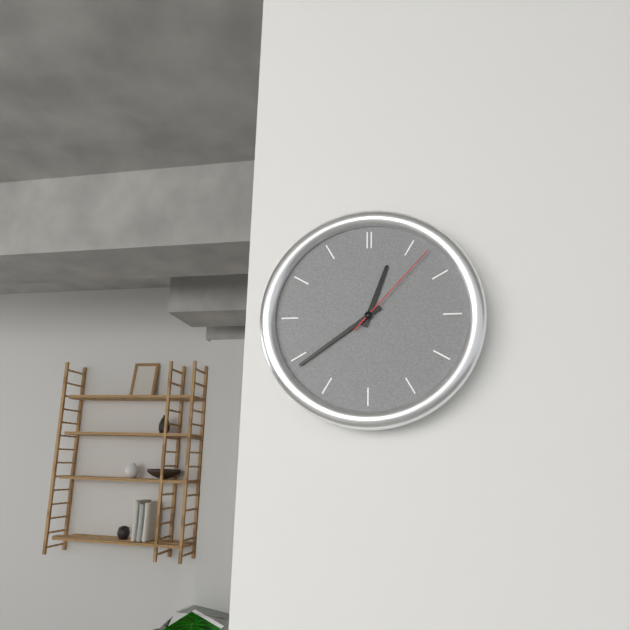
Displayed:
12:39:07
